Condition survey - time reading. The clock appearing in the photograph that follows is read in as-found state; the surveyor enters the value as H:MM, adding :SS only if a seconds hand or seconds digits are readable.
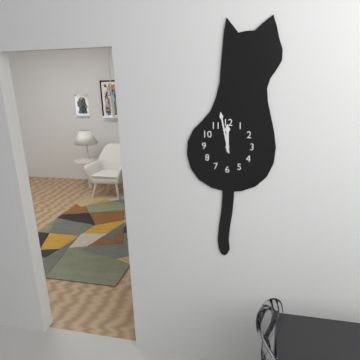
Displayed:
11:58
